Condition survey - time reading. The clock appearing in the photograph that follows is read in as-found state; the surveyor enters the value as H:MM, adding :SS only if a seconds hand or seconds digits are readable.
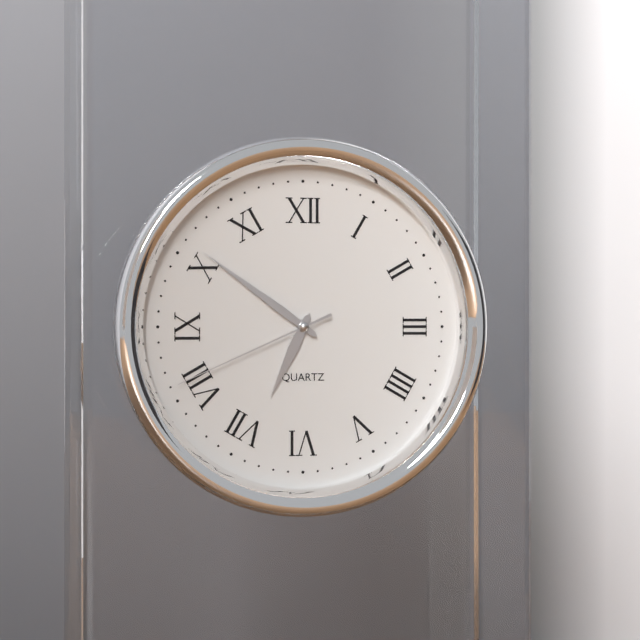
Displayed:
6:51:41
